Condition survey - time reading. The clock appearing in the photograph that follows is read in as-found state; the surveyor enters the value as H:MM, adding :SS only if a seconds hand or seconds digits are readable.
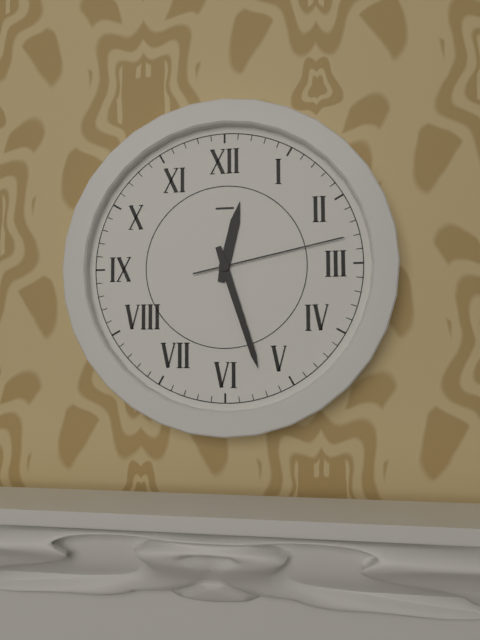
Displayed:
12:27:13
